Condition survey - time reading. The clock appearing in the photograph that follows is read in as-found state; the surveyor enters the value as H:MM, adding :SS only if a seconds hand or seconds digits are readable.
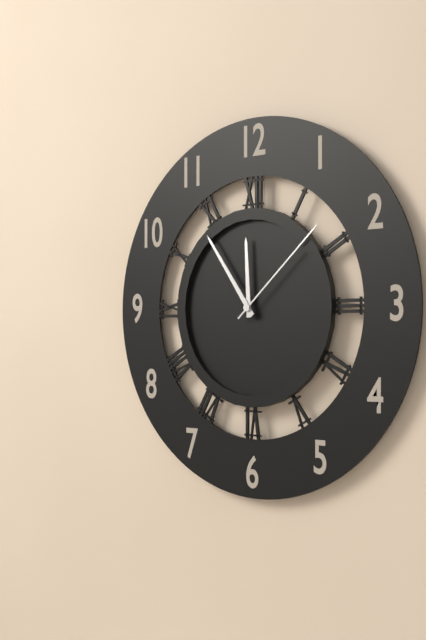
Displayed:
11:54:08
